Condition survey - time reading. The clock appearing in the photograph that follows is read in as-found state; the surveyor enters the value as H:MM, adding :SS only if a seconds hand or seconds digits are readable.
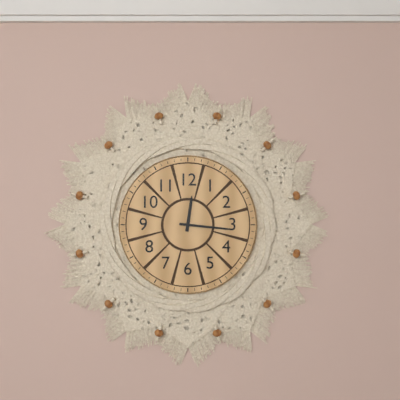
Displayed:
12:16
